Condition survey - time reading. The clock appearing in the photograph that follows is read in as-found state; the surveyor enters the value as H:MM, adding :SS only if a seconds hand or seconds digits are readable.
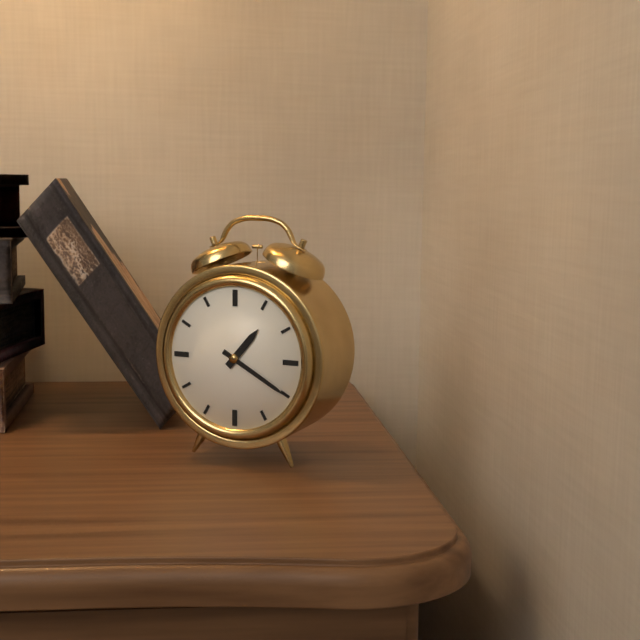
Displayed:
1:20
